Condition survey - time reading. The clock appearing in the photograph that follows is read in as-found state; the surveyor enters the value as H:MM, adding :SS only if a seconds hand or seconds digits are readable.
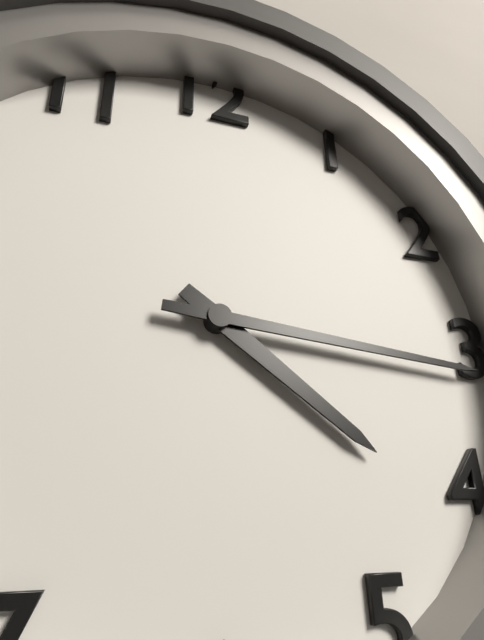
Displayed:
4:16
